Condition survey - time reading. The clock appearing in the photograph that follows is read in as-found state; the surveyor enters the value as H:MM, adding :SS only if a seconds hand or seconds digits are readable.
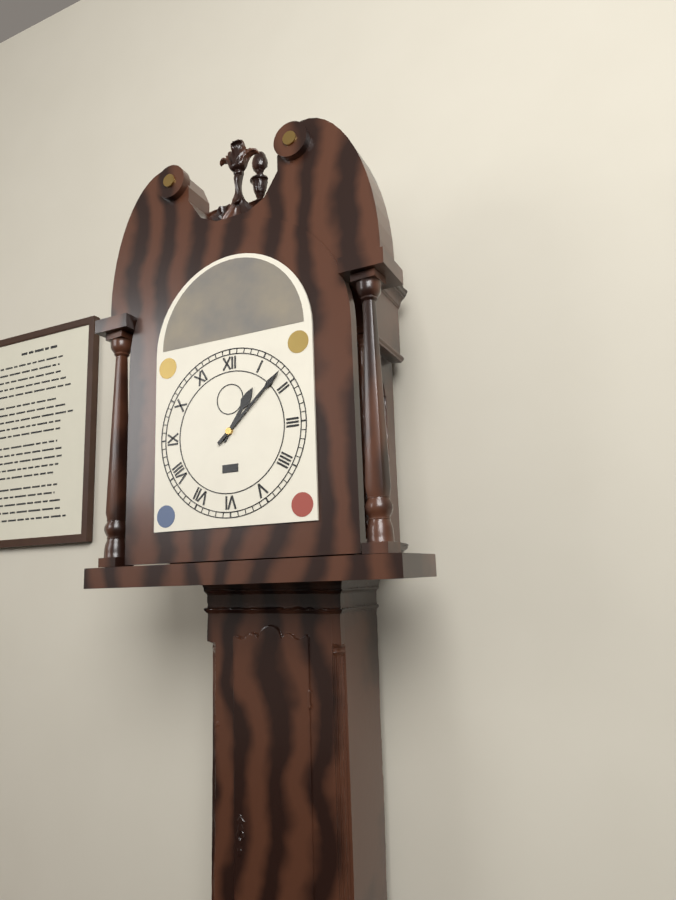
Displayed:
1:08
